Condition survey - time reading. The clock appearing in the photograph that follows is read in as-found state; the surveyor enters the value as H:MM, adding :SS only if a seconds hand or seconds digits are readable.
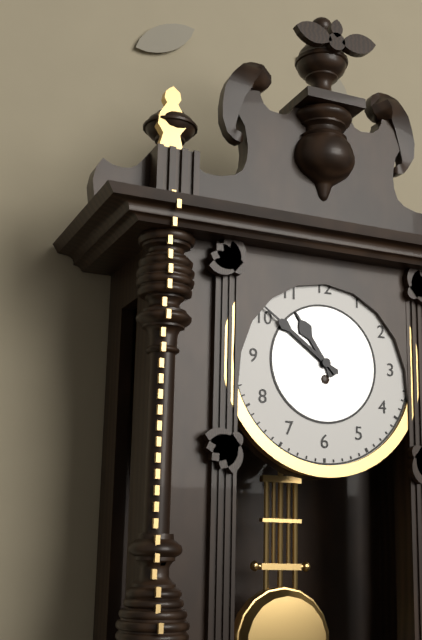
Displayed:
10:51
